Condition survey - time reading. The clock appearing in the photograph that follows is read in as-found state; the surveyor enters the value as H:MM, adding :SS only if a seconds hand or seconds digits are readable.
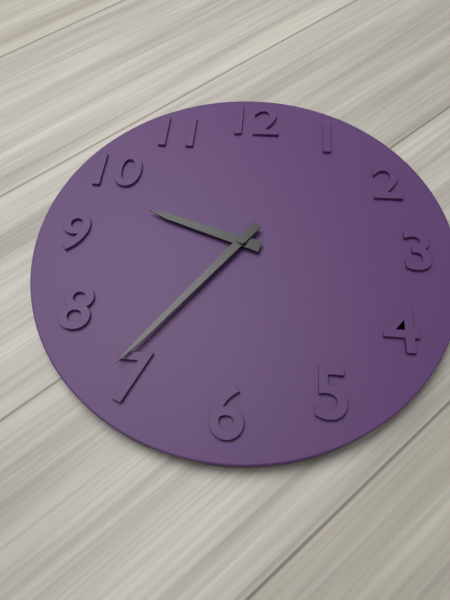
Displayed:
9:36
